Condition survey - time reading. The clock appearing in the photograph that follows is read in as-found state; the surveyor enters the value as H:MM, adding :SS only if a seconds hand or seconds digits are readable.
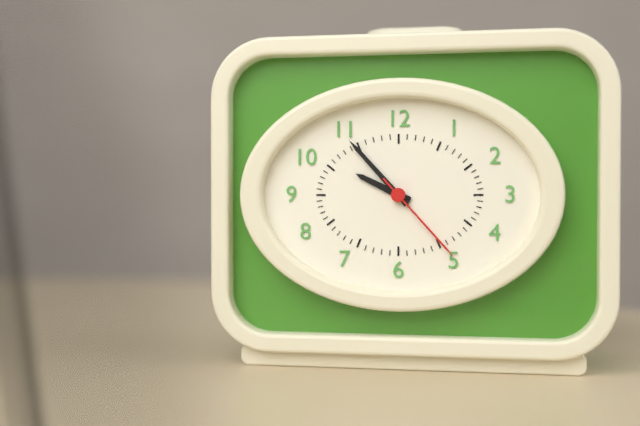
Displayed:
9:53:23
